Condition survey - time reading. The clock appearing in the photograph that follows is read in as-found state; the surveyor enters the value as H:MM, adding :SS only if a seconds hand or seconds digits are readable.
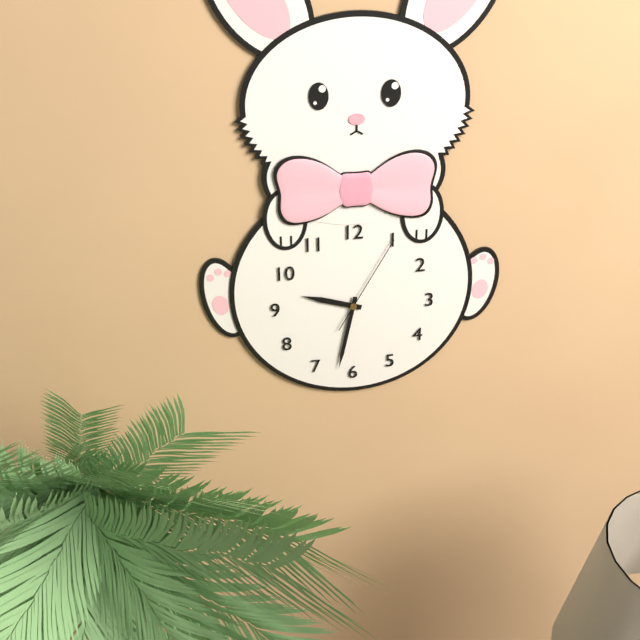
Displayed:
9:32:05
